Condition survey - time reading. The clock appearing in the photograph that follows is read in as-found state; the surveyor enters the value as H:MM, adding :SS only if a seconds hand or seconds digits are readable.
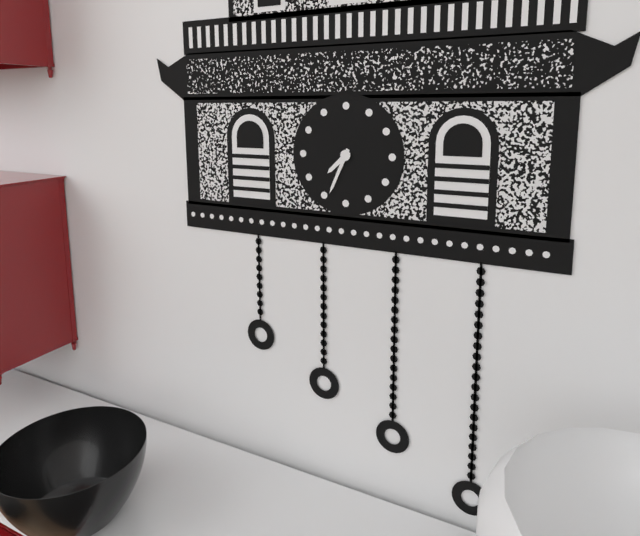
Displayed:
7:34
